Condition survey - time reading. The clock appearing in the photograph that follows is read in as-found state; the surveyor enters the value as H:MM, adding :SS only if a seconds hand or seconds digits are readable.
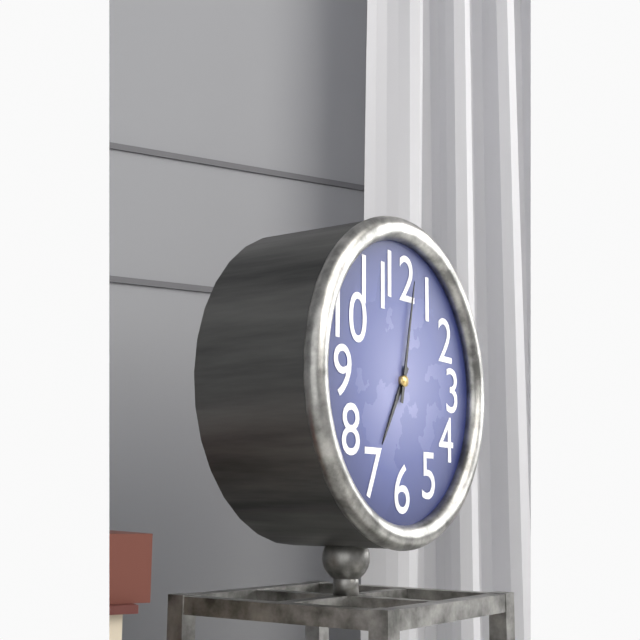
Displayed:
7:02
